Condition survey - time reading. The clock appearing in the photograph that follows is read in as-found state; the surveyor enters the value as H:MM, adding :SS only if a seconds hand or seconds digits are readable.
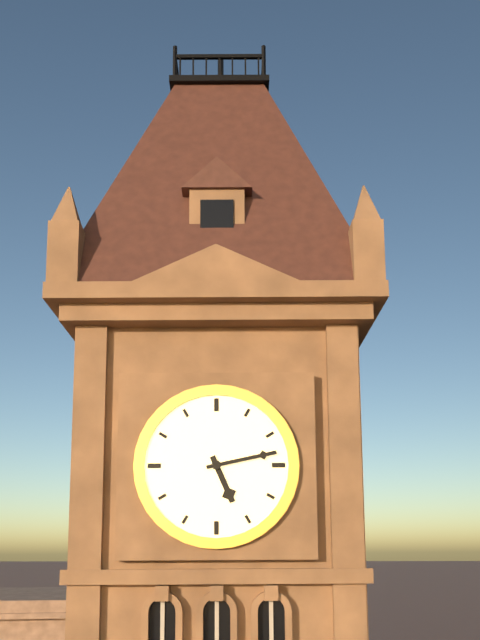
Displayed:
5:13
